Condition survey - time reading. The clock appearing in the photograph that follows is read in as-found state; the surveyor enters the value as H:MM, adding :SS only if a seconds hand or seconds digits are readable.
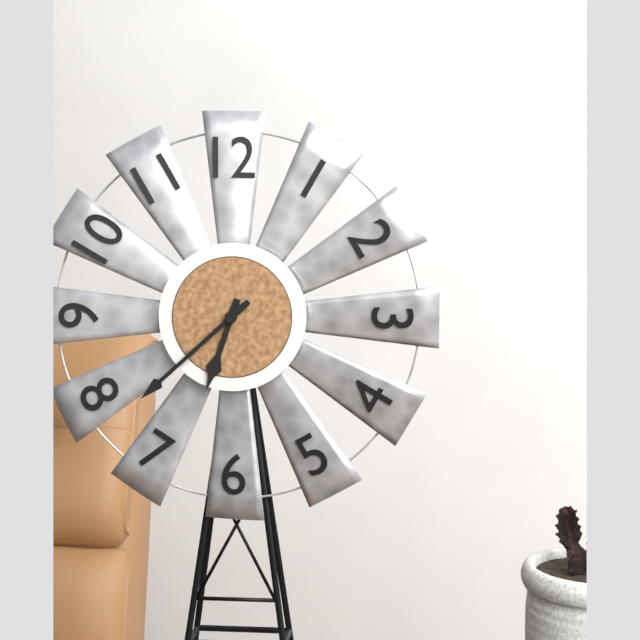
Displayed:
6:38
